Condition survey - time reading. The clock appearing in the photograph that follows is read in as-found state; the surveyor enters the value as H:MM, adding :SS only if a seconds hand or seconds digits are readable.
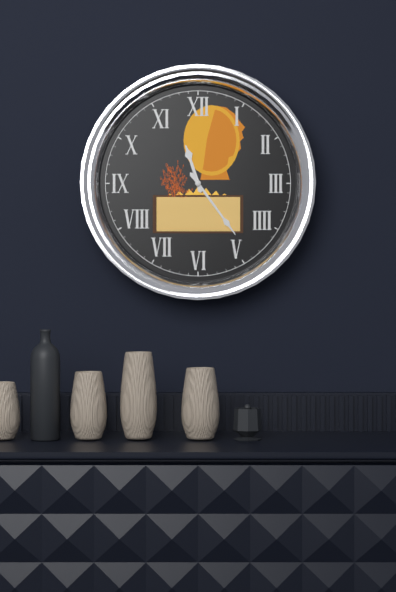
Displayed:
11:24
